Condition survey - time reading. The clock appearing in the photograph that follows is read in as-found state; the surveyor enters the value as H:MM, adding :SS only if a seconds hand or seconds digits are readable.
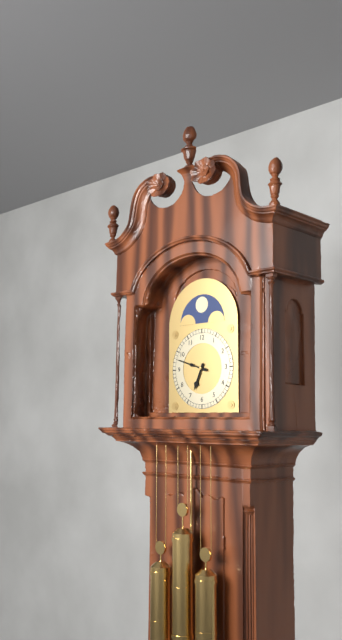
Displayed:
6:48
